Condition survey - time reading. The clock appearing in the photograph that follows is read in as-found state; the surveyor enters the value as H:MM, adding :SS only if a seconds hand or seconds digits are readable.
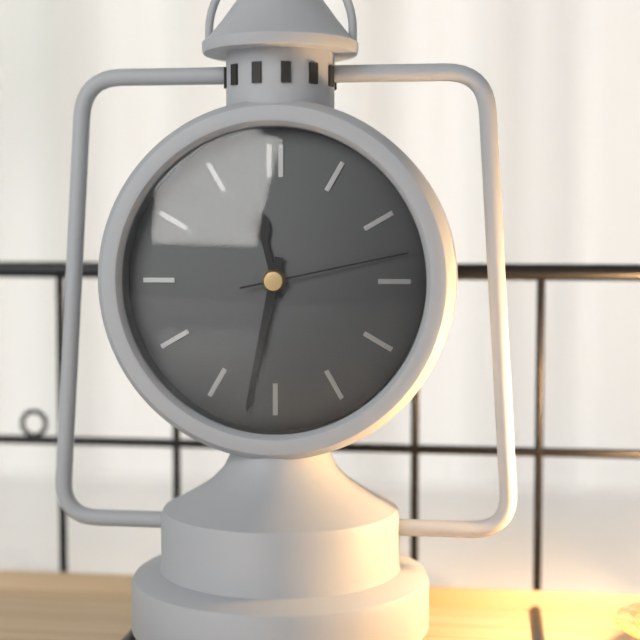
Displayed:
11:32:13
